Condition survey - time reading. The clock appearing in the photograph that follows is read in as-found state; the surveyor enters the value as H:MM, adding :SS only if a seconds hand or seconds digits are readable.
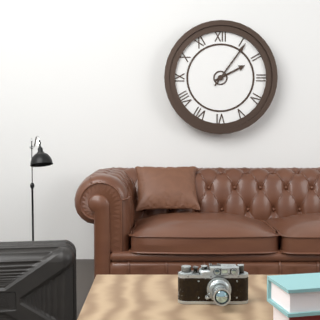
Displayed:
2:06
